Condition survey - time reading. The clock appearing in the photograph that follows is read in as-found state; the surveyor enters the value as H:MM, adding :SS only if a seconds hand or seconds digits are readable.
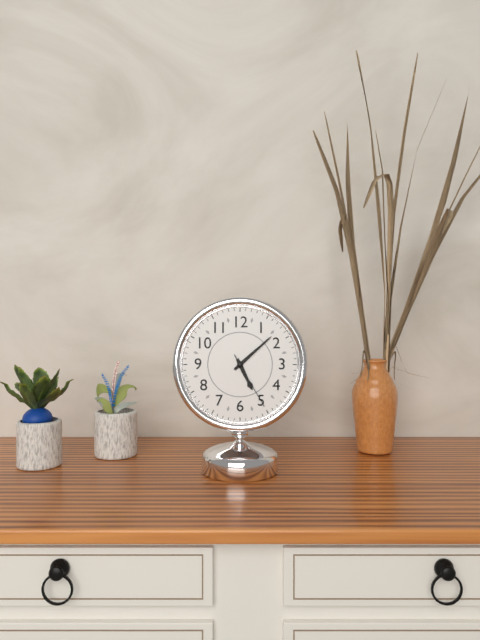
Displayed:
5:08:25
